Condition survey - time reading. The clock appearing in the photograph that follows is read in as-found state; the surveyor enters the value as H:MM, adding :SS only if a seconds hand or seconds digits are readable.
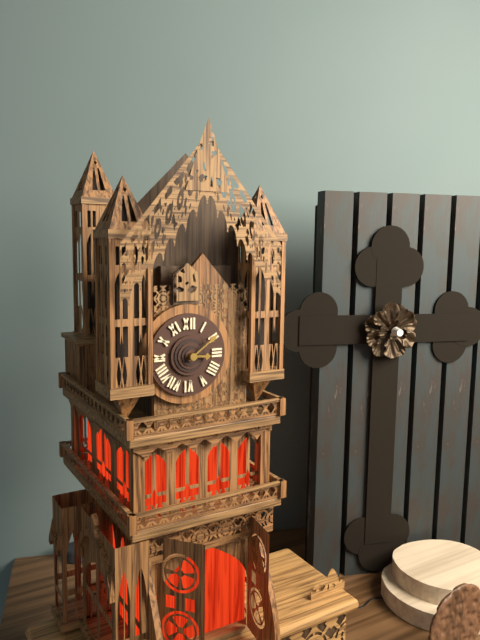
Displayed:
3:09
